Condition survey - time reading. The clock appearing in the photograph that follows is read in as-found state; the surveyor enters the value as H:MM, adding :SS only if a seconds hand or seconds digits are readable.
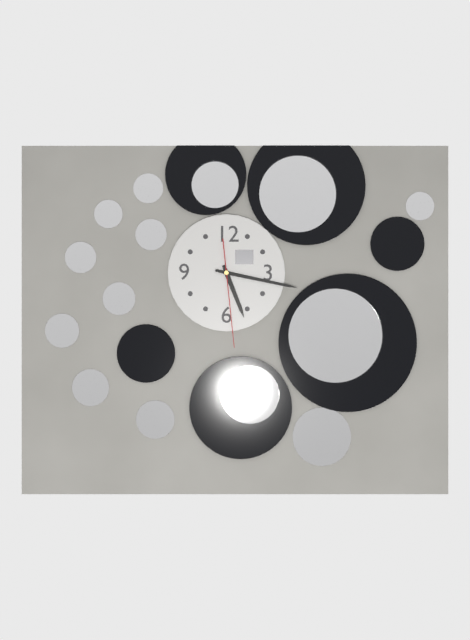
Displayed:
5:17:29
